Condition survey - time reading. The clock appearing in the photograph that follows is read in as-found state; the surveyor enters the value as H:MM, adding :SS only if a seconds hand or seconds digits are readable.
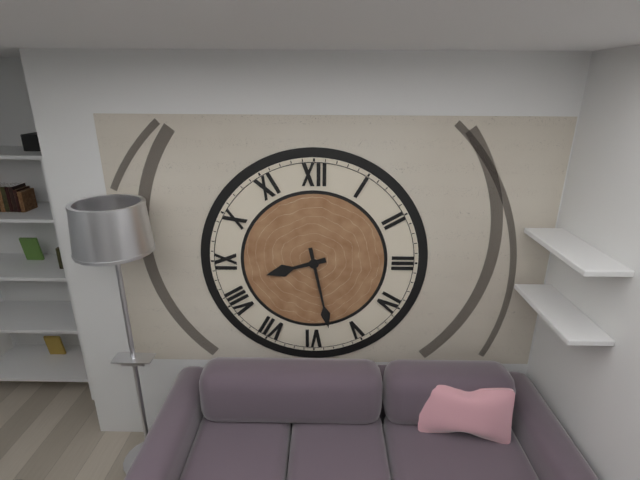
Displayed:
8:28
